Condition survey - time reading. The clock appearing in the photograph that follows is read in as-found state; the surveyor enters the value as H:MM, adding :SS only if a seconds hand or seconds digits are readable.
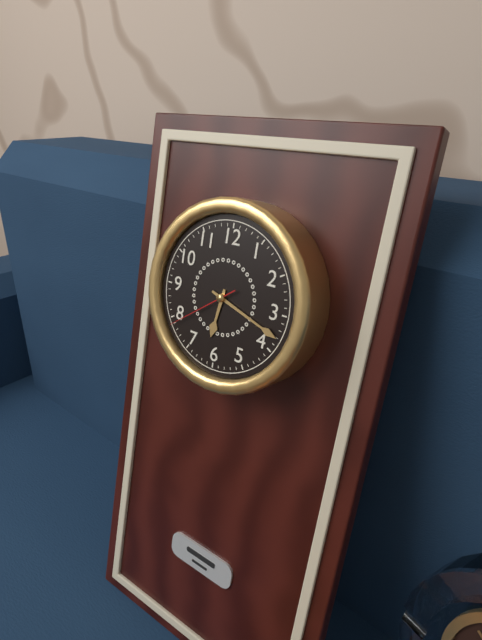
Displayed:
6:18:39
